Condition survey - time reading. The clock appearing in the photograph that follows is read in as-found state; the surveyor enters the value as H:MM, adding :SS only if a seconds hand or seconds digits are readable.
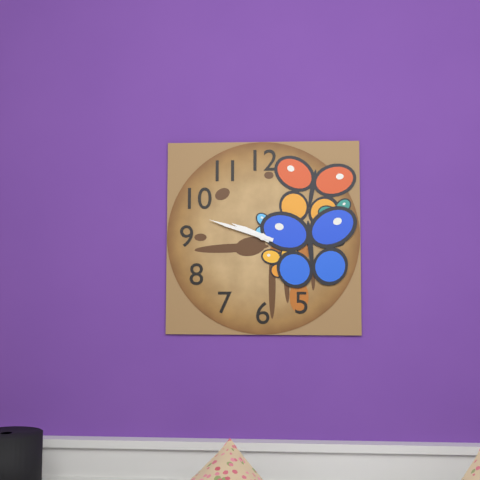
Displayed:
9:48
